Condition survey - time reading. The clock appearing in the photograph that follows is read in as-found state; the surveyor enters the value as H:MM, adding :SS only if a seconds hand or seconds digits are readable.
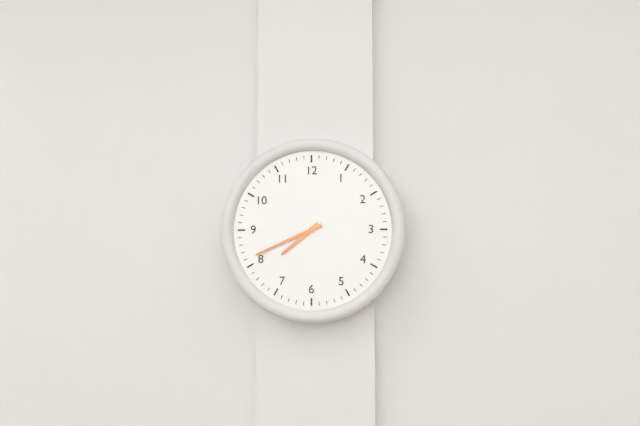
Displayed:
7:41
